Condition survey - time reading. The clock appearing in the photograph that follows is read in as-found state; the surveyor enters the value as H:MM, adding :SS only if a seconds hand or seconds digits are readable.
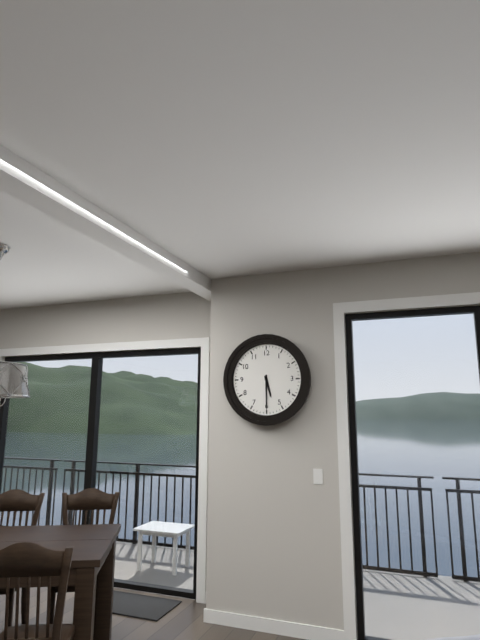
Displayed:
5:30
